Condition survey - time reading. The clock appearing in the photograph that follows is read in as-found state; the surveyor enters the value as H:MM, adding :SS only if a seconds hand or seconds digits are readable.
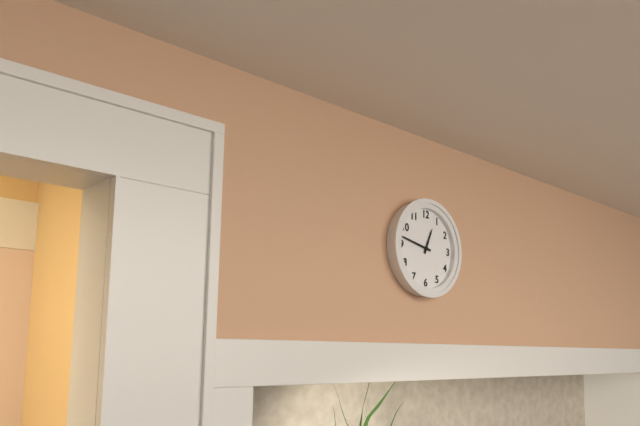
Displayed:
12:47
